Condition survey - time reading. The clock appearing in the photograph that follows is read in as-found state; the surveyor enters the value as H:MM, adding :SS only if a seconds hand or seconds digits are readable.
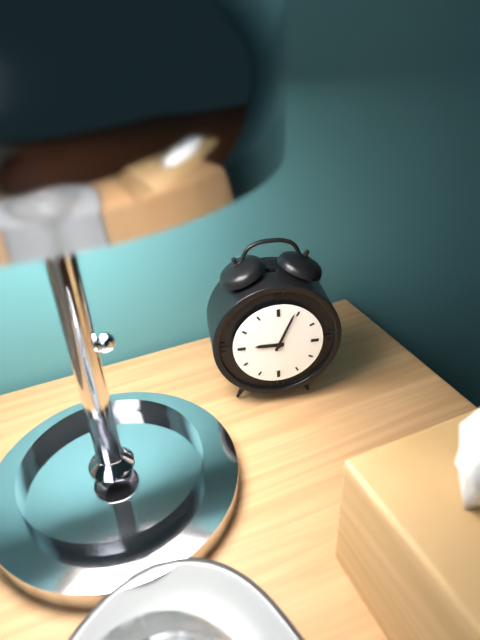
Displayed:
9:04
